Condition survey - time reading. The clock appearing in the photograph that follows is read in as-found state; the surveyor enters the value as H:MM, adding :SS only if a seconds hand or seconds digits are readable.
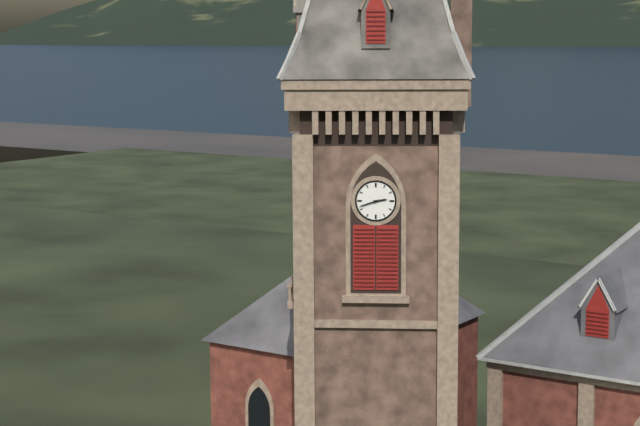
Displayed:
2:42
